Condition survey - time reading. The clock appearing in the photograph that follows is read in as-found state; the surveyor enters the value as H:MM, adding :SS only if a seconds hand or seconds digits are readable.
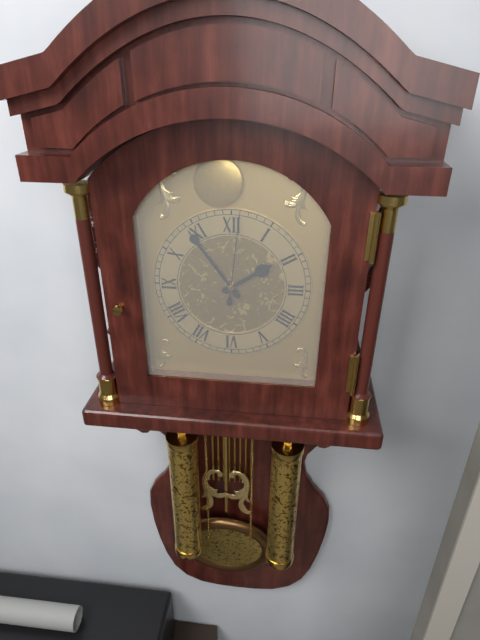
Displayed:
1:54:01
